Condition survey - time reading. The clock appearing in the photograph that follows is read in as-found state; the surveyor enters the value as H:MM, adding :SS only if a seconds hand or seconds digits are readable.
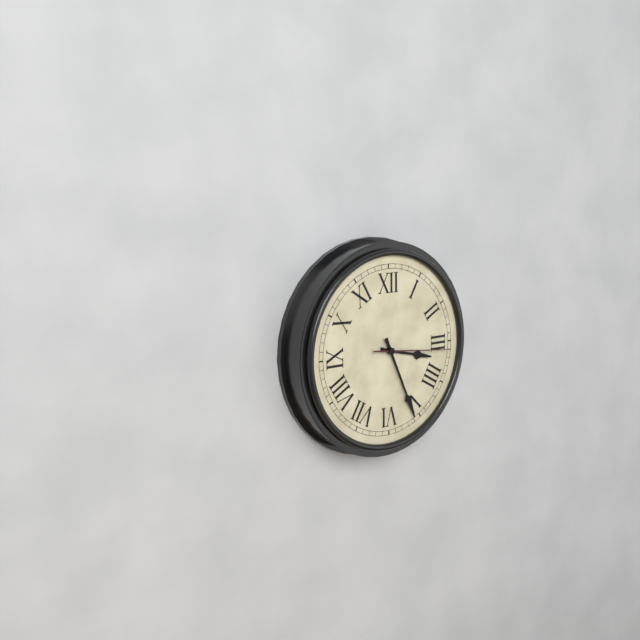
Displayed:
3:26:16
